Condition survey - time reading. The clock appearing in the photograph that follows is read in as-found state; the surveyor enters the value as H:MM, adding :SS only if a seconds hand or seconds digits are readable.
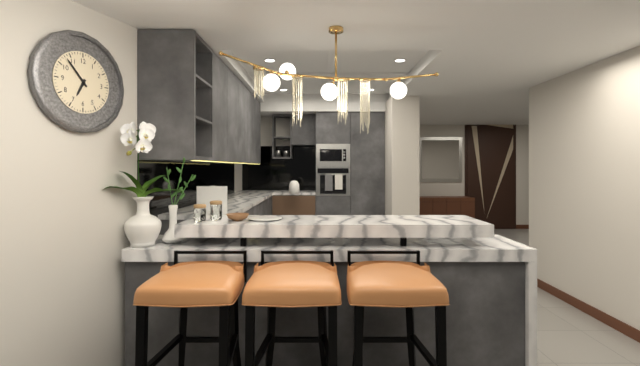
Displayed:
6:53
